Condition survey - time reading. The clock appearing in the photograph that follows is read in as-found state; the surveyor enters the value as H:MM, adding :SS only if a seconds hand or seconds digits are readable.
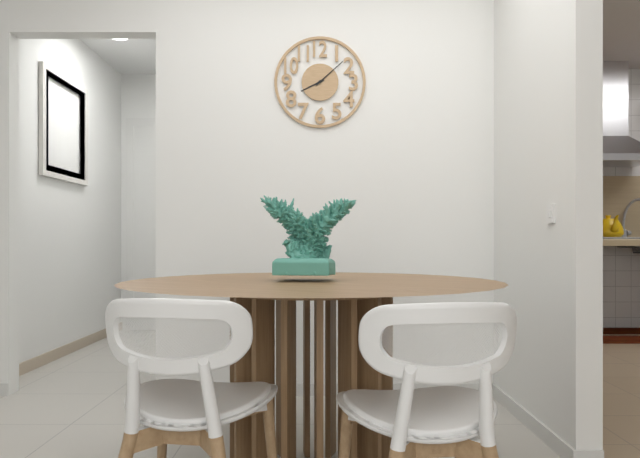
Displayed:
8:08
